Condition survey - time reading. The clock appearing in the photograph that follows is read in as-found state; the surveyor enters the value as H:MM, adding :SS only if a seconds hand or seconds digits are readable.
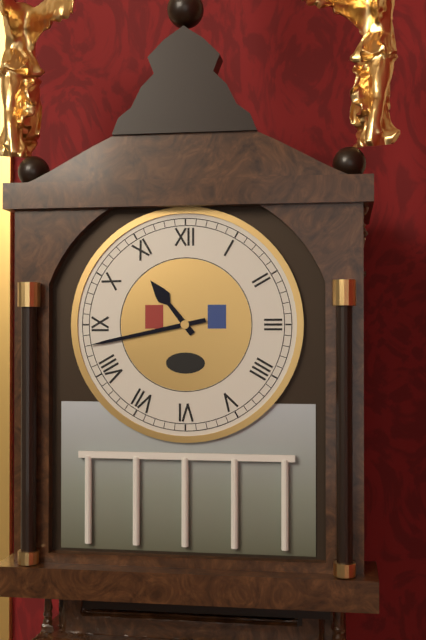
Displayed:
10:43
